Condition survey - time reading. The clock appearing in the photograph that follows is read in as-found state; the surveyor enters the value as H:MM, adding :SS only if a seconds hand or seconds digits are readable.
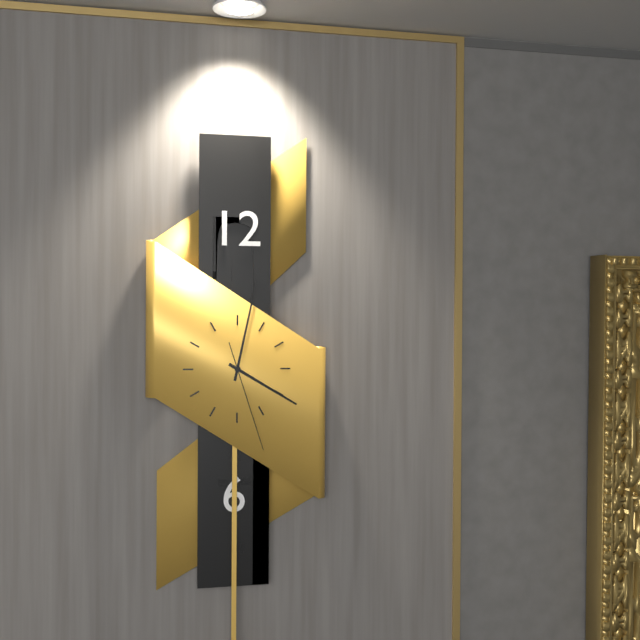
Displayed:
4:02:27
